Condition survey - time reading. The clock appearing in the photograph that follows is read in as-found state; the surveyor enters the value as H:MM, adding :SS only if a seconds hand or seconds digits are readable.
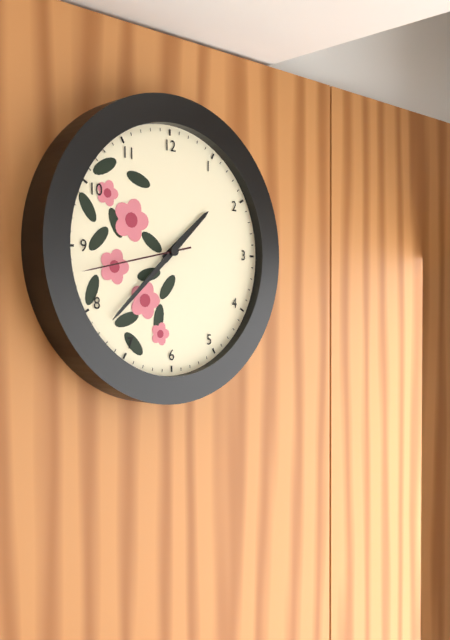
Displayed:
1:38:43
